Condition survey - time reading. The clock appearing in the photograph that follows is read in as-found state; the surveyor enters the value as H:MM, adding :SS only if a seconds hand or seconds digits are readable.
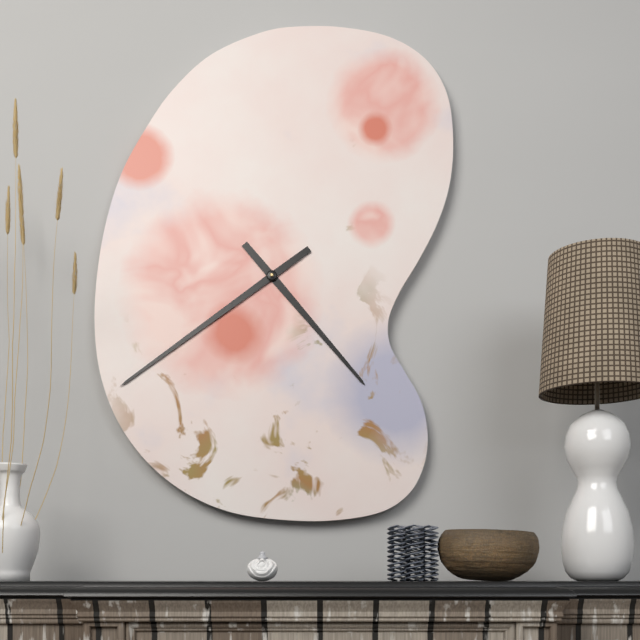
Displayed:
4:39
